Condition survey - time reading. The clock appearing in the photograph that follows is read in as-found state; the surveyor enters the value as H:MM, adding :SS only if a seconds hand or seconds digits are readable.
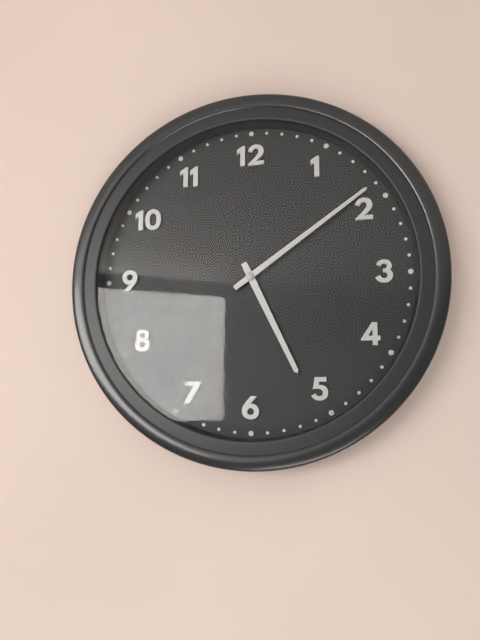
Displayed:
5:09
